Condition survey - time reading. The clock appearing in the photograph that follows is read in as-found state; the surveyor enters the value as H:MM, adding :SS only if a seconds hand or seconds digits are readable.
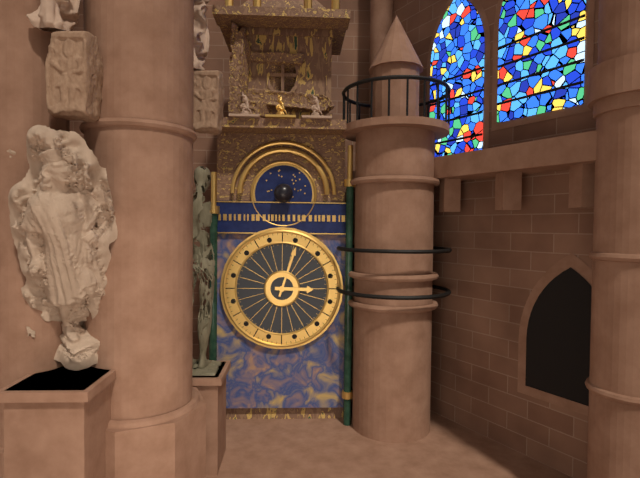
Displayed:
3:03
